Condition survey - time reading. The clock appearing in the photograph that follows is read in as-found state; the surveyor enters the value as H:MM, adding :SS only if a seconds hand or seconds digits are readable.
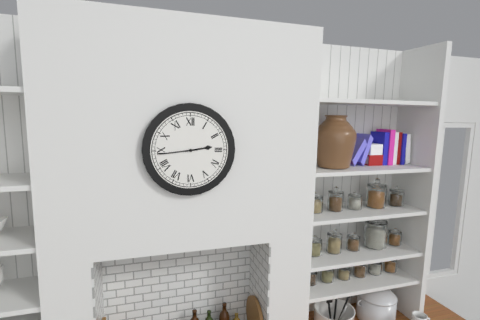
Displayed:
2:44
